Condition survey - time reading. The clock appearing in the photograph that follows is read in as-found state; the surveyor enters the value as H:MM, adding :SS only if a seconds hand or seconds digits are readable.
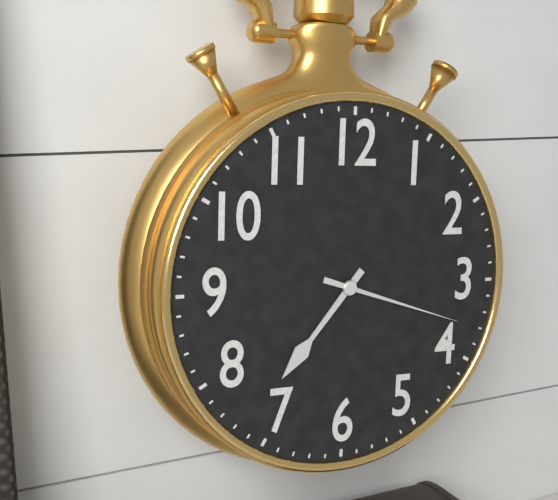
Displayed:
7:18
